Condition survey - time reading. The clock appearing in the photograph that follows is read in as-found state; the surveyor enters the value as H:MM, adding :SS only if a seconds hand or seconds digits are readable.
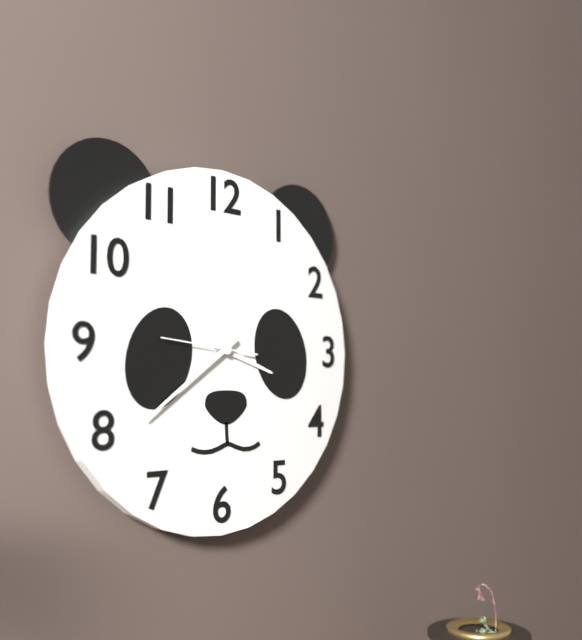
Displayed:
3:39:46
